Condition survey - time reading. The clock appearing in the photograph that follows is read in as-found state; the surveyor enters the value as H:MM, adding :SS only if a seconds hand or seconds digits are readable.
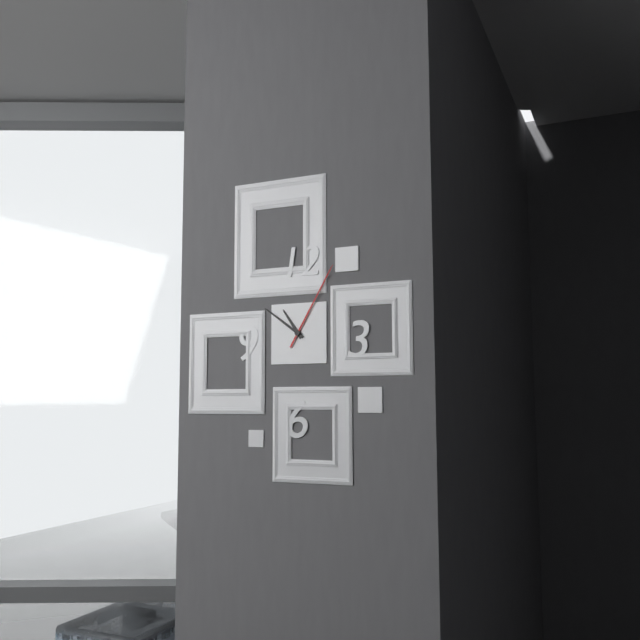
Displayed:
10:51:05
